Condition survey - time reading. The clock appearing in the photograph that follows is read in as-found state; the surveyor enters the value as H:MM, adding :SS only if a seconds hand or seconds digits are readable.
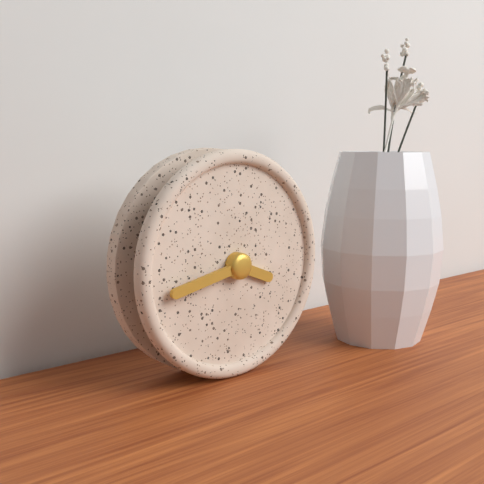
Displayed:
3:43
